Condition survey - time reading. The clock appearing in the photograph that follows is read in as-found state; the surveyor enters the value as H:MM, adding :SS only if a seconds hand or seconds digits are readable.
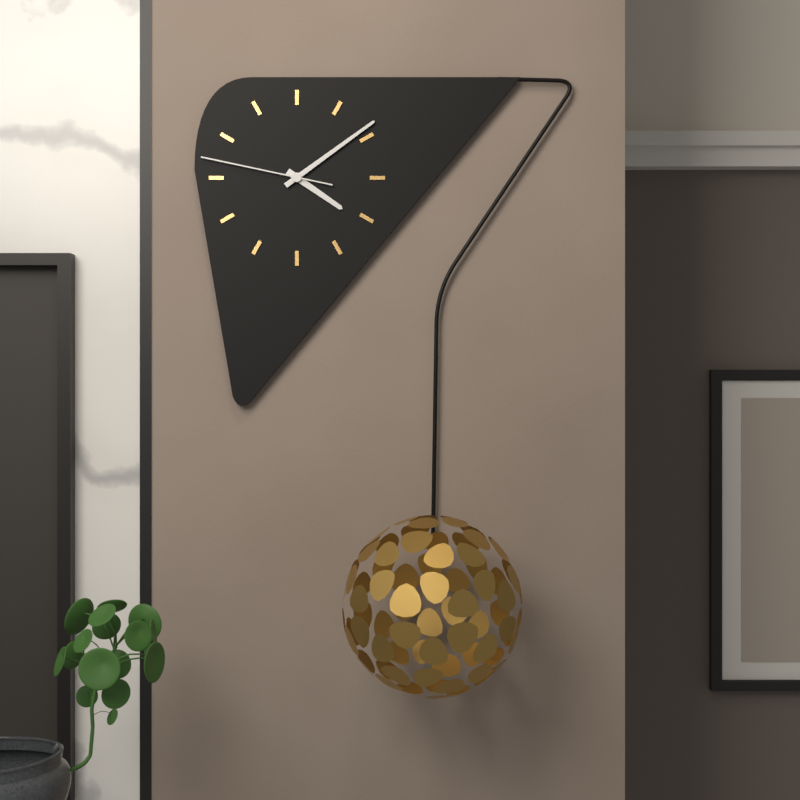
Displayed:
4:09:47
